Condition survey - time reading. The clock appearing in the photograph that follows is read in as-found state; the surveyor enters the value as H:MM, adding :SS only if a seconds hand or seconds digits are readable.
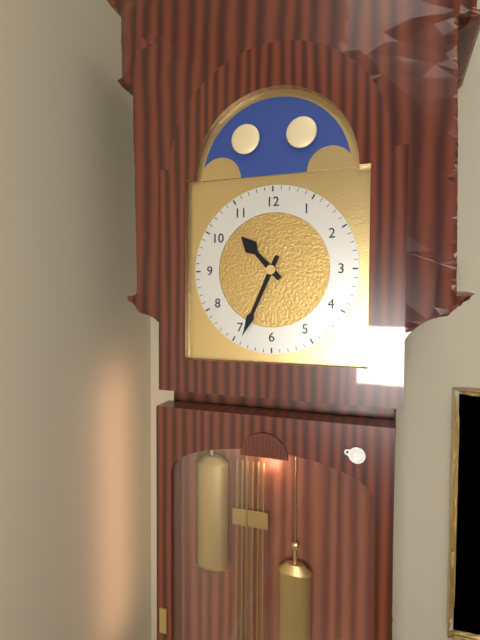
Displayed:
10:34
